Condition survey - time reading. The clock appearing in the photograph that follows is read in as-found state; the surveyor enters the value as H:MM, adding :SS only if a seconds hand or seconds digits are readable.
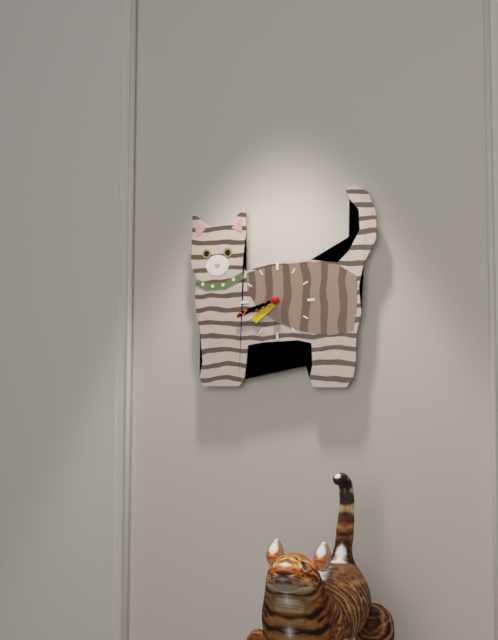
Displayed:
7:42
